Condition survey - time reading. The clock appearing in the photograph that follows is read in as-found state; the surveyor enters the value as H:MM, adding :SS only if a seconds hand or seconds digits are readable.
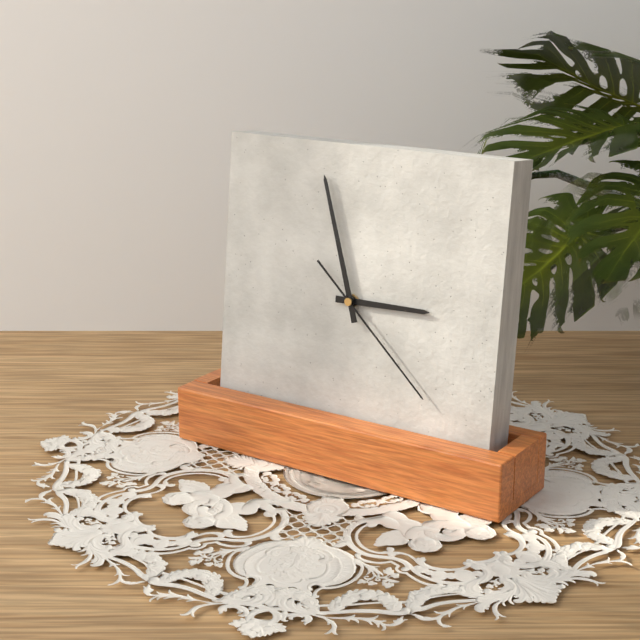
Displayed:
2:57:22
